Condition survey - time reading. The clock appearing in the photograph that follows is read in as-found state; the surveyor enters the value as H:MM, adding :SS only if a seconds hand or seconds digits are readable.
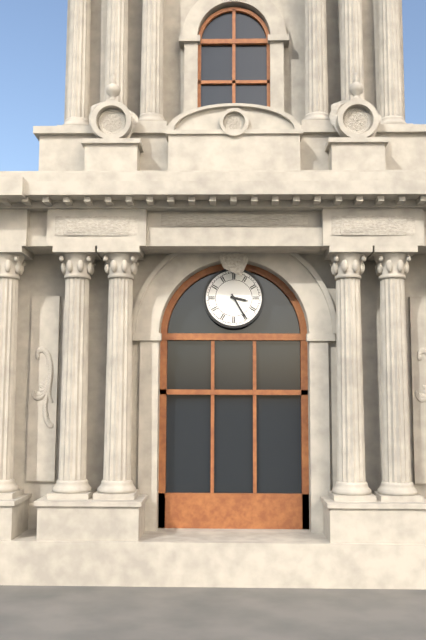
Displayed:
3:25
